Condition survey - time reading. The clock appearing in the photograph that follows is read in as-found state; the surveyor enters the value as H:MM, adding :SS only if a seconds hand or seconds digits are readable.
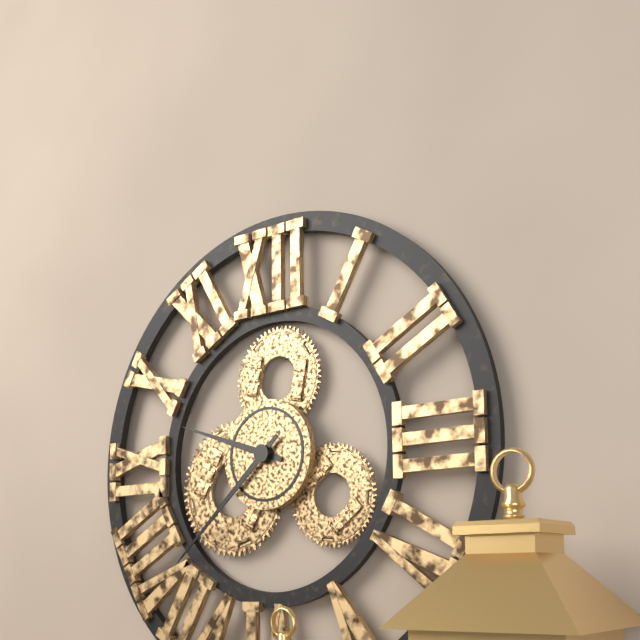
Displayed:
9:38
